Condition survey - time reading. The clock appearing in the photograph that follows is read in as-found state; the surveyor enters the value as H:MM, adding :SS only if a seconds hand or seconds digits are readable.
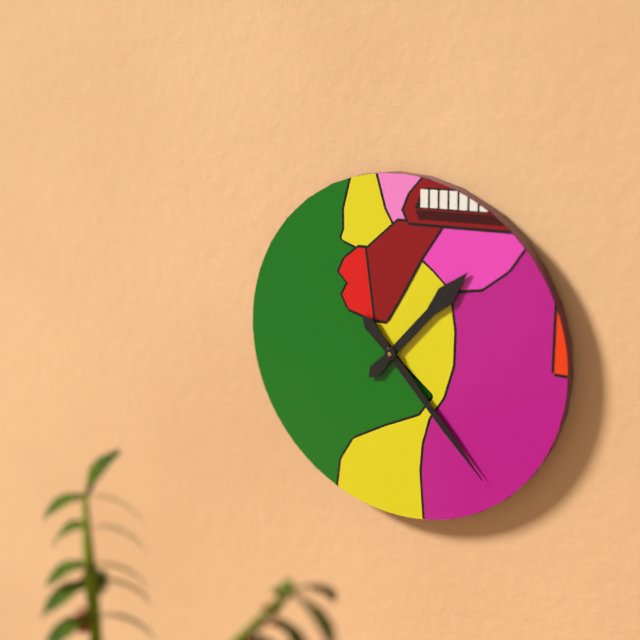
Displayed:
1:23
